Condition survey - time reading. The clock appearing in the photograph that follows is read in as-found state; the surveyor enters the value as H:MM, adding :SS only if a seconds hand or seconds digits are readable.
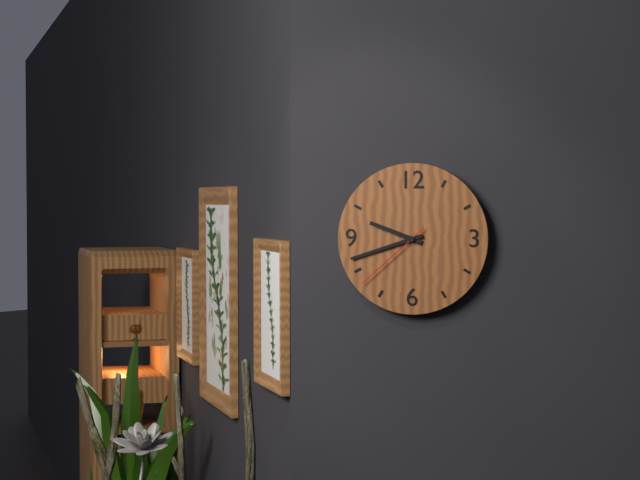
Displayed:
9:42:38
